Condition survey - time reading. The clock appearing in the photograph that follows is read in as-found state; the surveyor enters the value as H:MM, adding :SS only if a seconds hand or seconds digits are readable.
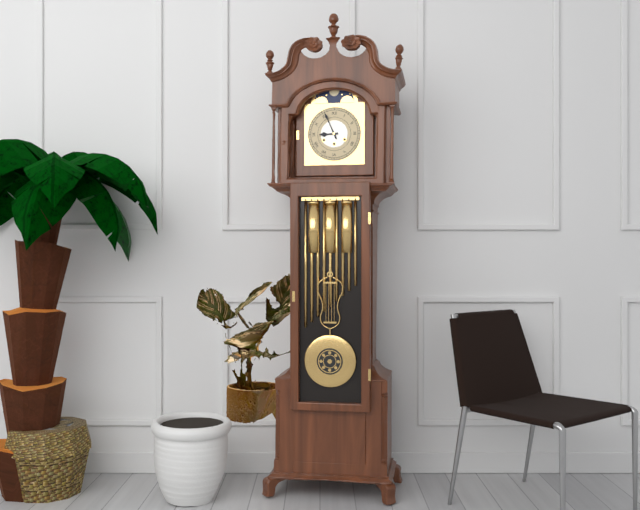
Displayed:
8:56
